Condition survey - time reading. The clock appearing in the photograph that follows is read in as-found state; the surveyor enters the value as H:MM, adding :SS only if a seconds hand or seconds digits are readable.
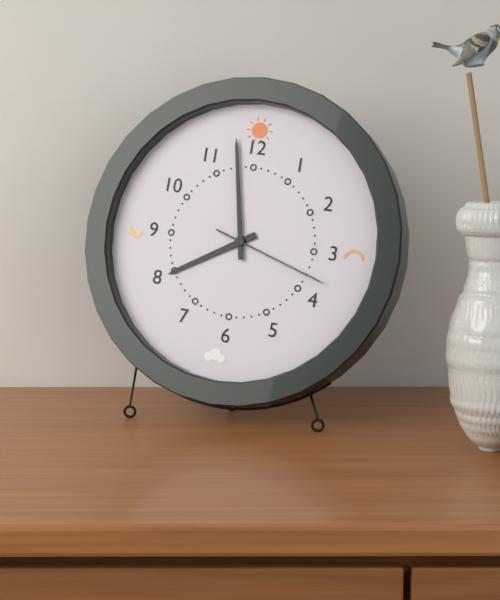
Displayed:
7:58:18
